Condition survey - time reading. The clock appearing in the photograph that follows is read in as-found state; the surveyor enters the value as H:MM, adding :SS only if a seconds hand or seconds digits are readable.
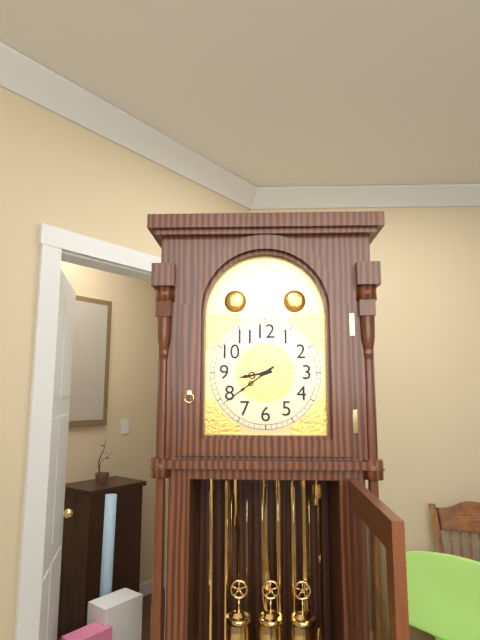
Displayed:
8:39
